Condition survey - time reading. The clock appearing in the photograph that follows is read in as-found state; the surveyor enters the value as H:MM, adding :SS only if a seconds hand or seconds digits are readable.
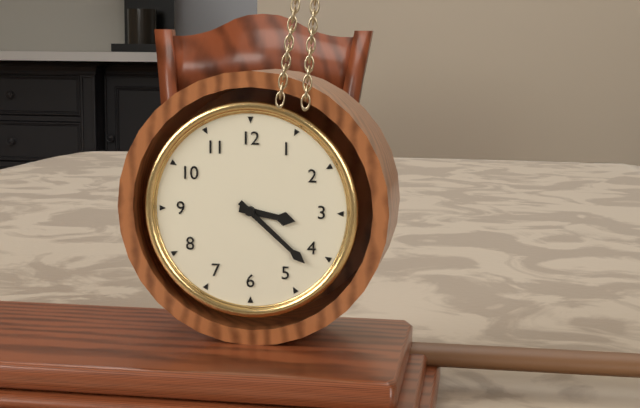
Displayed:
3:22
